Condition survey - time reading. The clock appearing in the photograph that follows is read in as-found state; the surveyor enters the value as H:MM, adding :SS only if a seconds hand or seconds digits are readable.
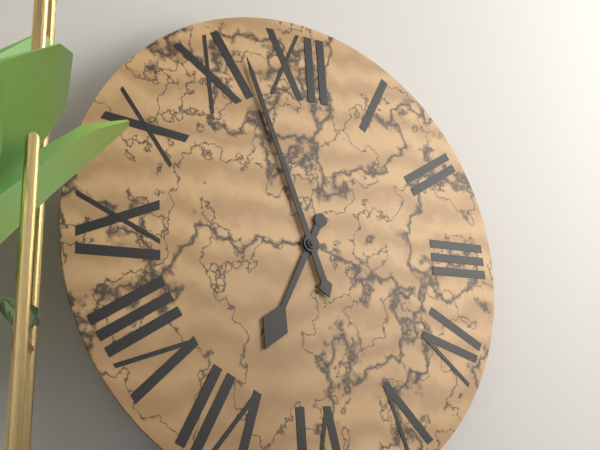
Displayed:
6:57
